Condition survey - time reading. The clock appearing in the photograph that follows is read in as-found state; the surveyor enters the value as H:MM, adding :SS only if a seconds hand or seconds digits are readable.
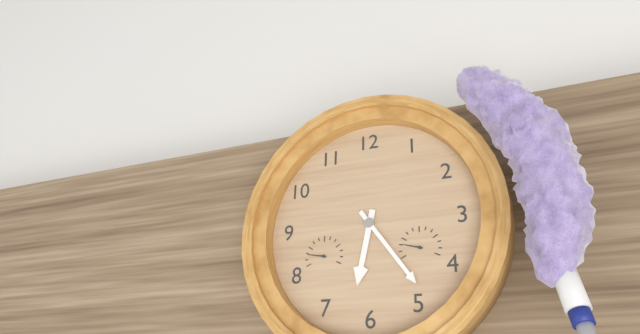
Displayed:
6:24
